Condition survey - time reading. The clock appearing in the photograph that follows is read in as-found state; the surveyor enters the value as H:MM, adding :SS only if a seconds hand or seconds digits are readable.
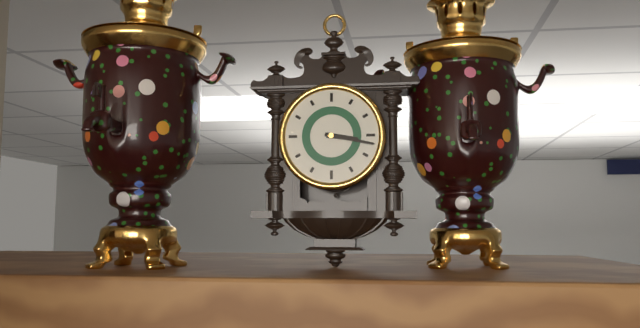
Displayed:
3:17
